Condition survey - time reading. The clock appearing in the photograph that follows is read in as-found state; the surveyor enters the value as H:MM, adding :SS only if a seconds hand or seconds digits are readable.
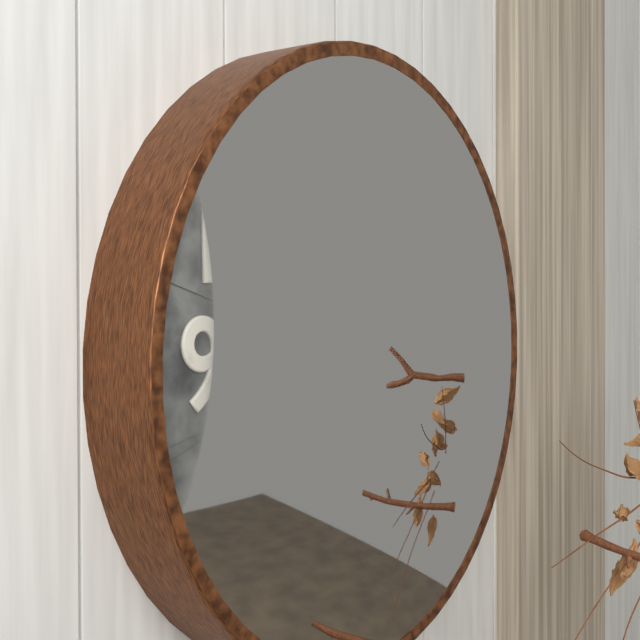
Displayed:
6:52
